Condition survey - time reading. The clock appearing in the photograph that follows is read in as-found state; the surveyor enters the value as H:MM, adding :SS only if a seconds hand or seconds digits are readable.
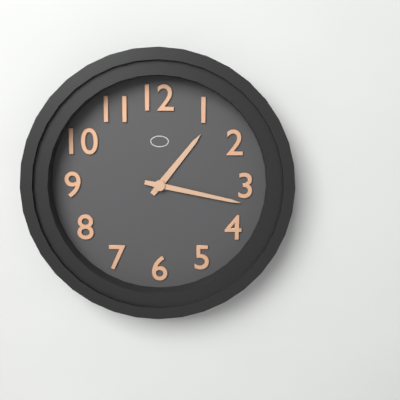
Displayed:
1:17
